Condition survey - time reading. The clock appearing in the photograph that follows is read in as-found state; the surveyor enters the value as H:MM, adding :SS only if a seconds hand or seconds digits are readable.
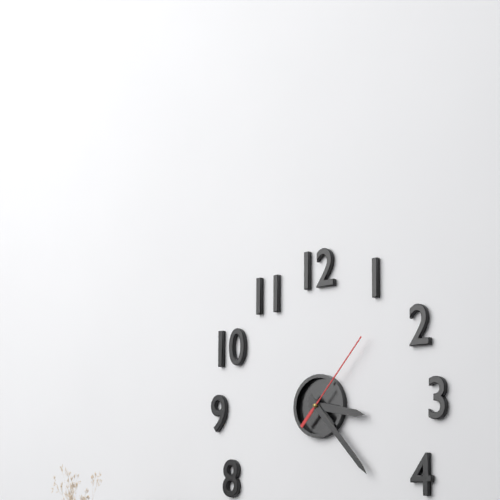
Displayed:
3:23:07
